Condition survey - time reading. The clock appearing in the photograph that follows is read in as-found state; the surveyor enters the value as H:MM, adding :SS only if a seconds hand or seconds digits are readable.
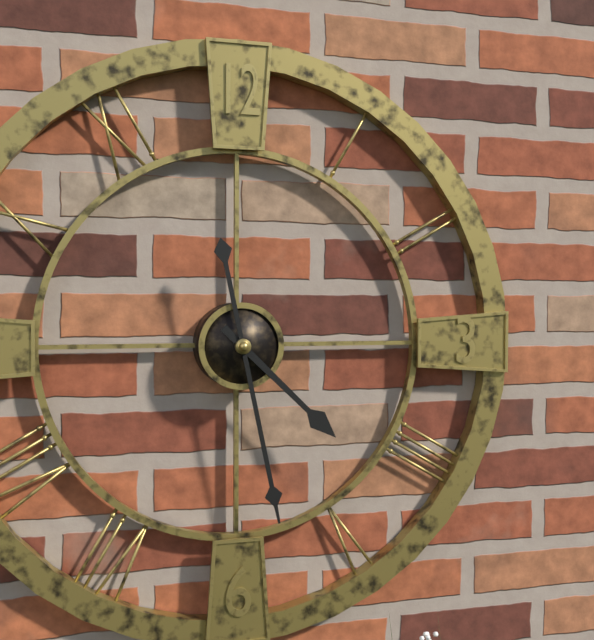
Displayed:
4:28
